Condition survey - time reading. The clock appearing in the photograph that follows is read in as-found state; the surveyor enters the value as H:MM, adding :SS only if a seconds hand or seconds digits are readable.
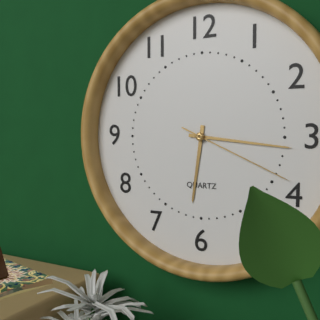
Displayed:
6:16:19
